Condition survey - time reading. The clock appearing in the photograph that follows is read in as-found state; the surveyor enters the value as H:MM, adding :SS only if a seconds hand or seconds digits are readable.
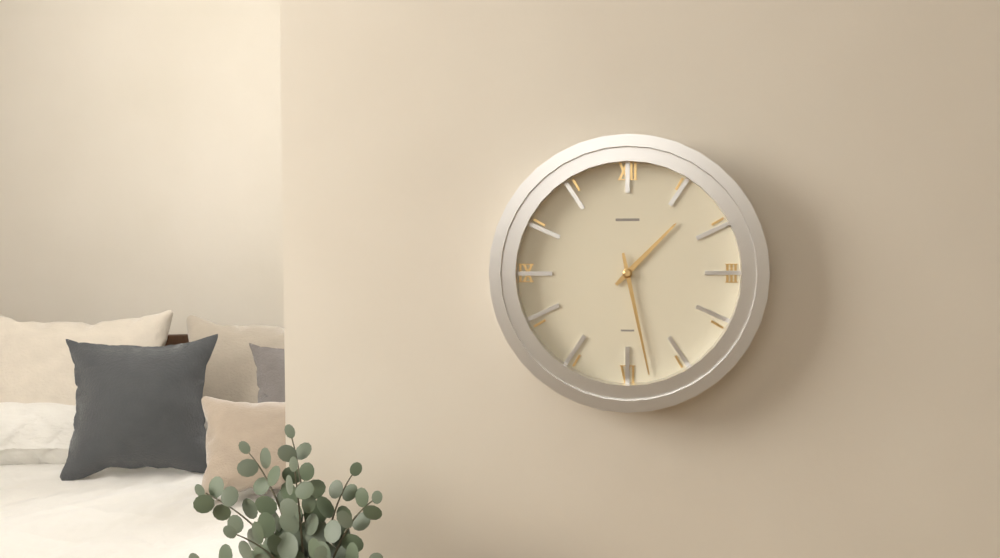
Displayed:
1:28
